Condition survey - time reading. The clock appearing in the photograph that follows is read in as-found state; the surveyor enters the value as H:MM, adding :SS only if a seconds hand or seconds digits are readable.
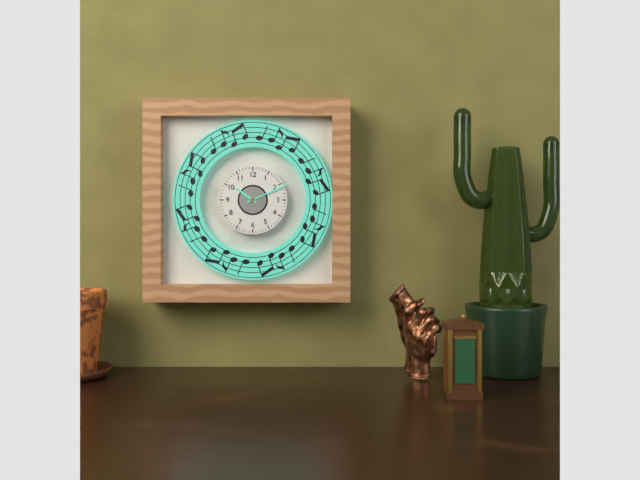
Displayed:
10:11
